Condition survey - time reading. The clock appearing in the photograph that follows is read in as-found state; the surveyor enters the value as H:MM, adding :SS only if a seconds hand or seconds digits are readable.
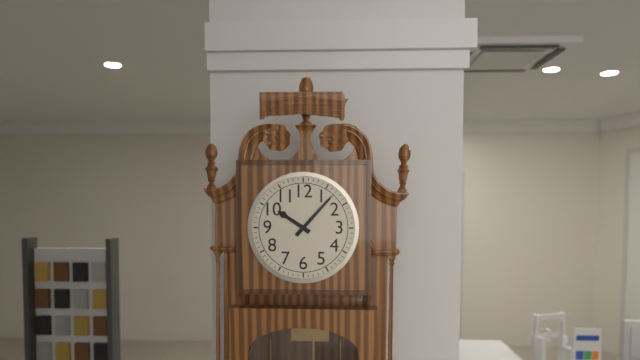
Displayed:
10:07
